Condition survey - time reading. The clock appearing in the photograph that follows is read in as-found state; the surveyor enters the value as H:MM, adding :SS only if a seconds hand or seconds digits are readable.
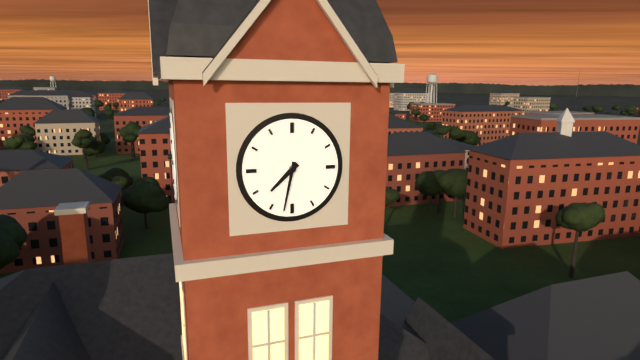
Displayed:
7:32
